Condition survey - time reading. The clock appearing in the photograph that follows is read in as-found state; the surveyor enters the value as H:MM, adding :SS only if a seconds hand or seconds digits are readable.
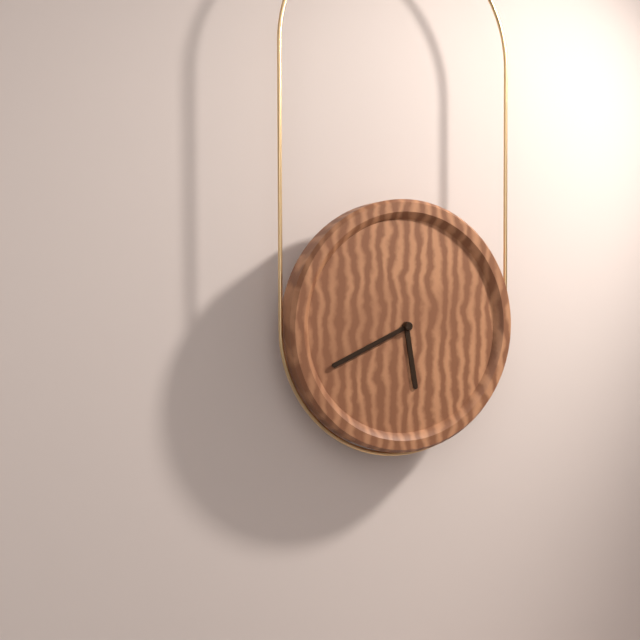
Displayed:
5:41
